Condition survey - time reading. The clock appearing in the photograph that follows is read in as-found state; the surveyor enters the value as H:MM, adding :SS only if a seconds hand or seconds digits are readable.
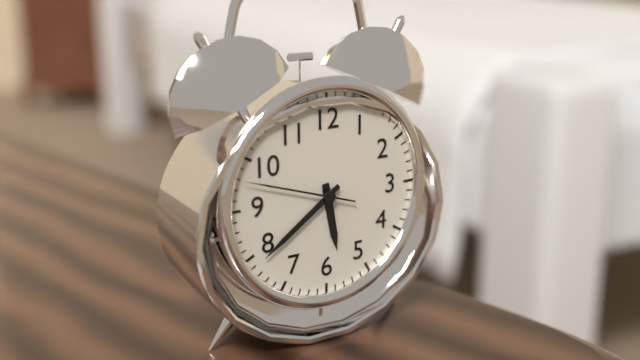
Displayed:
5:39:48
